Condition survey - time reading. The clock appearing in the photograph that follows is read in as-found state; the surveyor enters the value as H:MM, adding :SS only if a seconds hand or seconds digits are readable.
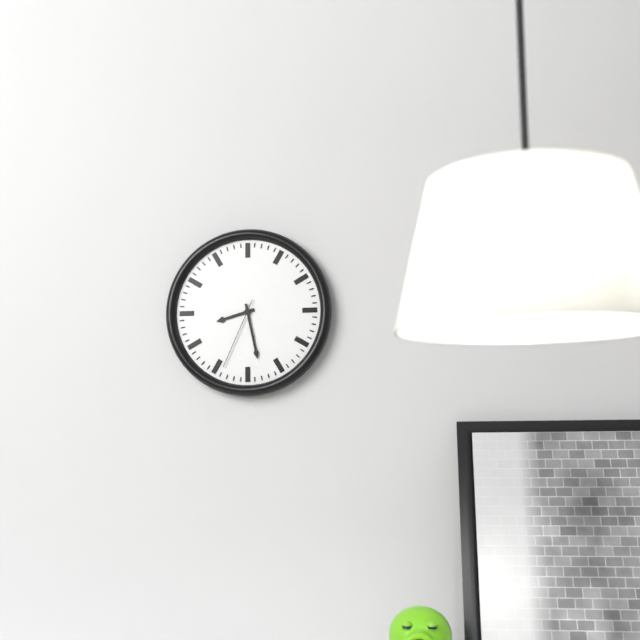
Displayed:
8:28:34
